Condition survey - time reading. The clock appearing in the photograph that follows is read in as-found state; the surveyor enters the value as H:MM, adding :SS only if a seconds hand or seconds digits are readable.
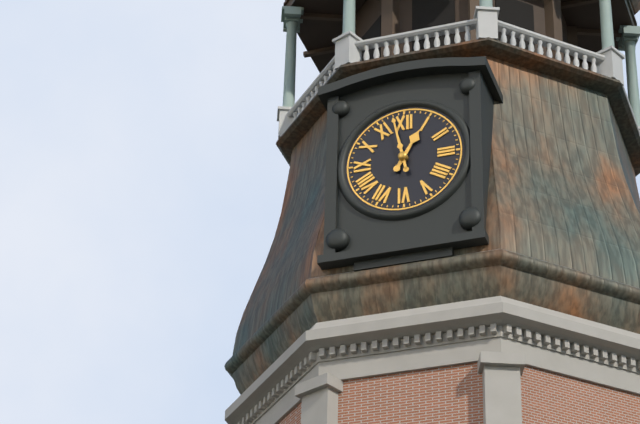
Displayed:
12:58
